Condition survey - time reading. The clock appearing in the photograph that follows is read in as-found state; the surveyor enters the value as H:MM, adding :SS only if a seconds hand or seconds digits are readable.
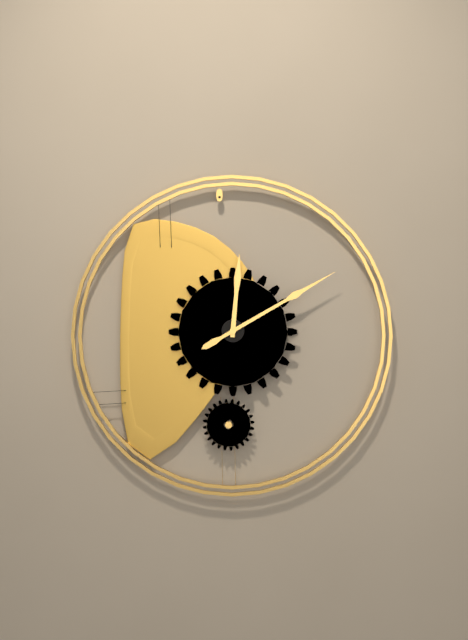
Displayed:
12:10
